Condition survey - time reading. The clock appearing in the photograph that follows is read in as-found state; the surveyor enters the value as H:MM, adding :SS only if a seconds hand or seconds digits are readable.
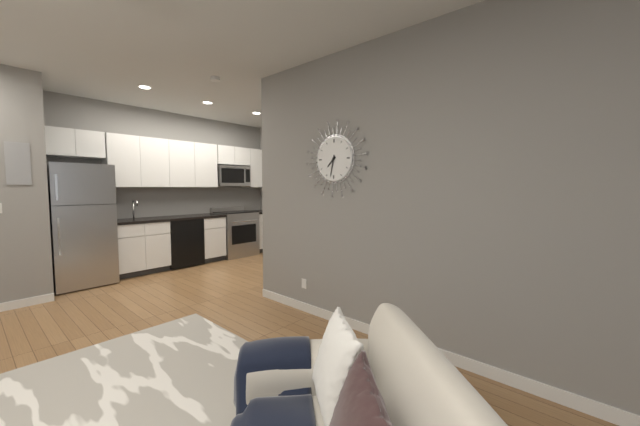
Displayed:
7:32
